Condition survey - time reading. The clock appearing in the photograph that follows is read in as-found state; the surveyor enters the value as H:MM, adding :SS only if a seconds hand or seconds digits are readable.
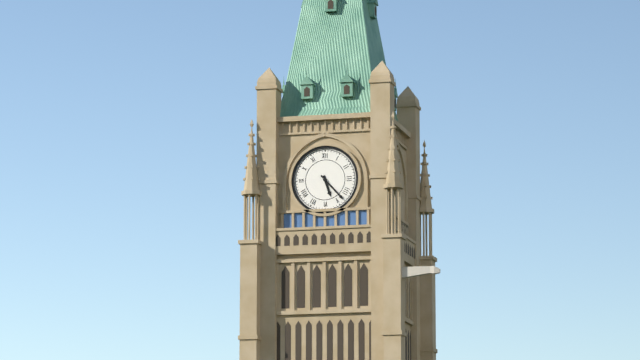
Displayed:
5:23
